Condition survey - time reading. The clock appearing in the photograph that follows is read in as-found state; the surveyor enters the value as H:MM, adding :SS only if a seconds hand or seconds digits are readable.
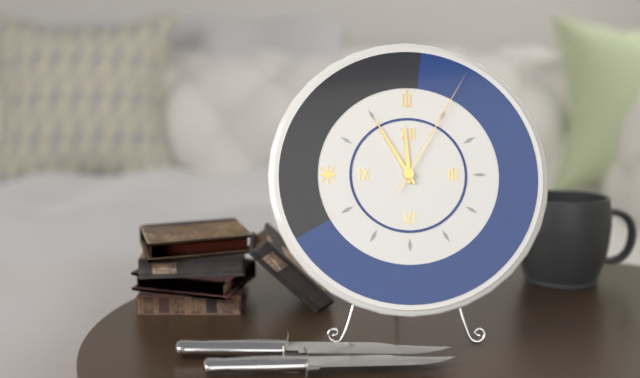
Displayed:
11:55:05
